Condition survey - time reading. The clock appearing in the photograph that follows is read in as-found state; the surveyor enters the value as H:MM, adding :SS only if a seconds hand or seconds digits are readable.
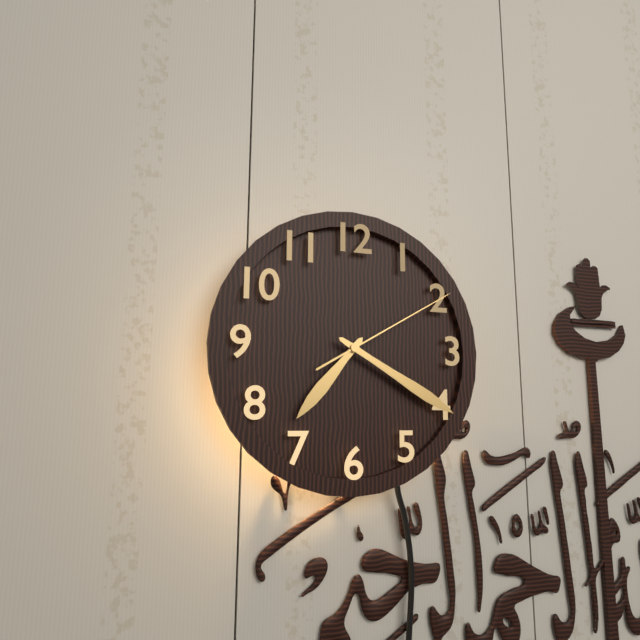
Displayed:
7:20:10
